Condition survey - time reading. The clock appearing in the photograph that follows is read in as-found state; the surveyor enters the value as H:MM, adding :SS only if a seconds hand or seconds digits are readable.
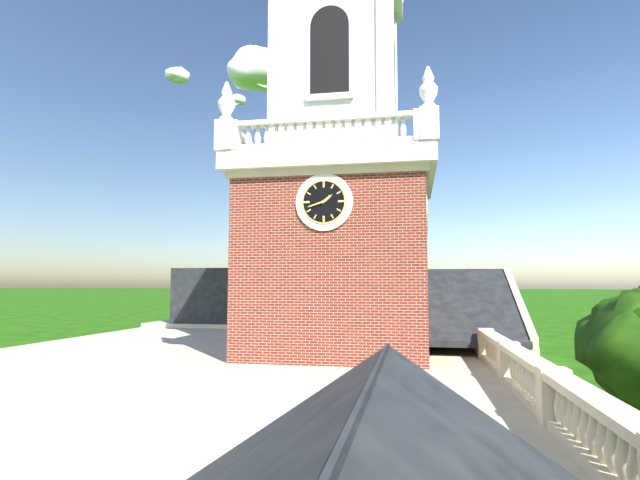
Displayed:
1:42
